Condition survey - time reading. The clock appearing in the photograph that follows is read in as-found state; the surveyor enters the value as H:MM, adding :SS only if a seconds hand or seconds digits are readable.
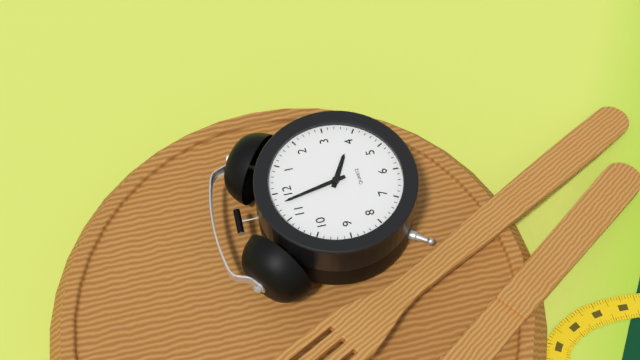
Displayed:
3:58
